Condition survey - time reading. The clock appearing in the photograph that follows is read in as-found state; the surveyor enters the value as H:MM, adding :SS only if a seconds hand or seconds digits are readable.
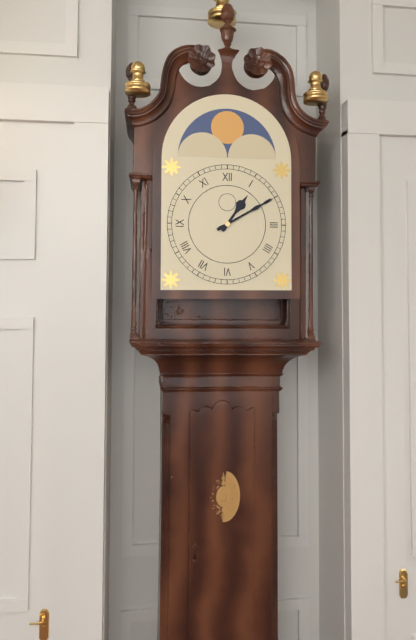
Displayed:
1:10
